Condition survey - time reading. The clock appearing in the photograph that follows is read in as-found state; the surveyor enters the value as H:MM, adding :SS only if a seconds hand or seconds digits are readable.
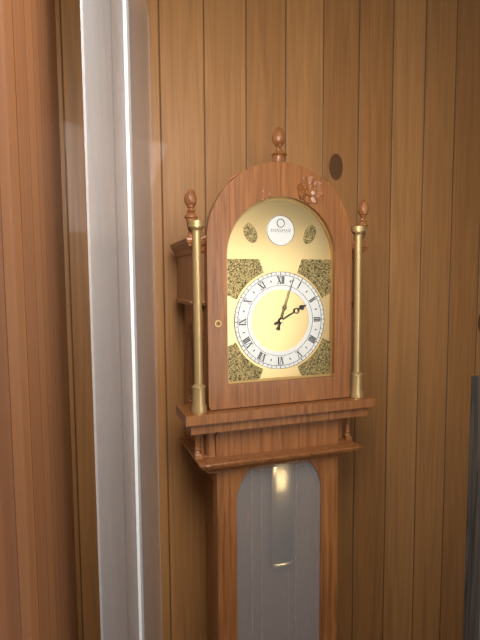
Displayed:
2:03
